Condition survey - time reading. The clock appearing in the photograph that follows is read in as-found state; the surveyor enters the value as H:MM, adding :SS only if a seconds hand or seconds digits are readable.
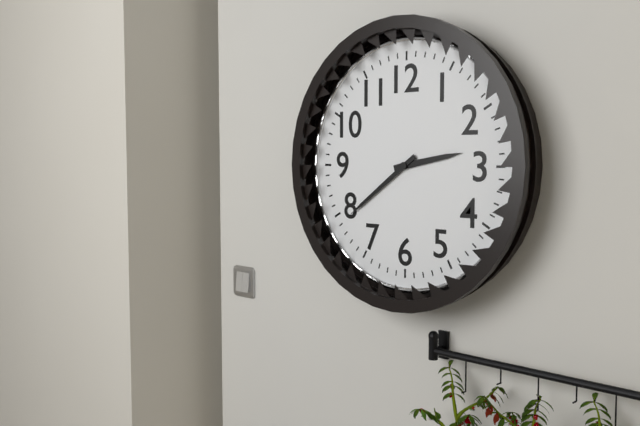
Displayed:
2:39
